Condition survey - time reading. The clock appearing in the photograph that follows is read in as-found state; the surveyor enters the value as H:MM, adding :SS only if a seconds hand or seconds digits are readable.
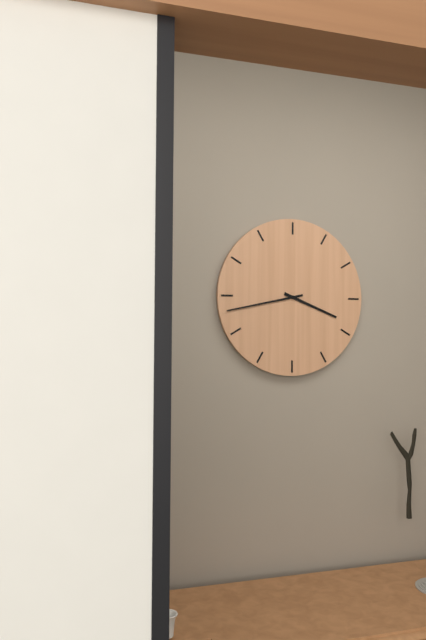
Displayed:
3:43
